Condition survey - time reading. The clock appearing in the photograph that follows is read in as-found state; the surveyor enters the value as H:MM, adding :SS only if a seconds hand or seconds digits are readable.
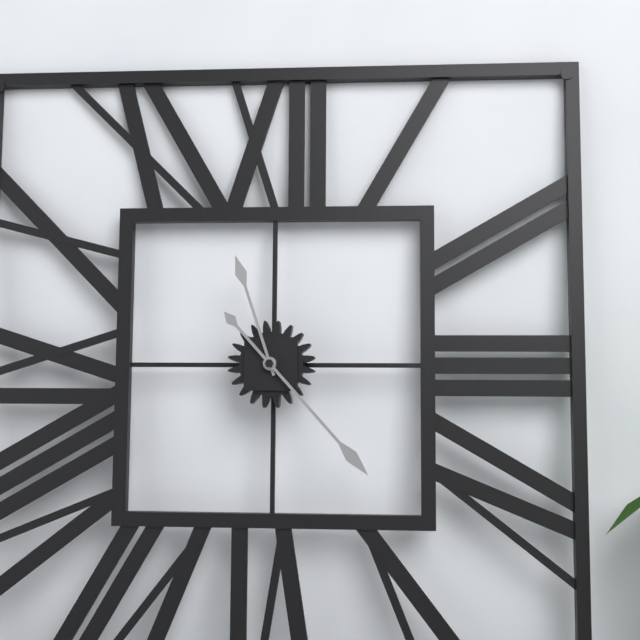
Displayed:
11:23
